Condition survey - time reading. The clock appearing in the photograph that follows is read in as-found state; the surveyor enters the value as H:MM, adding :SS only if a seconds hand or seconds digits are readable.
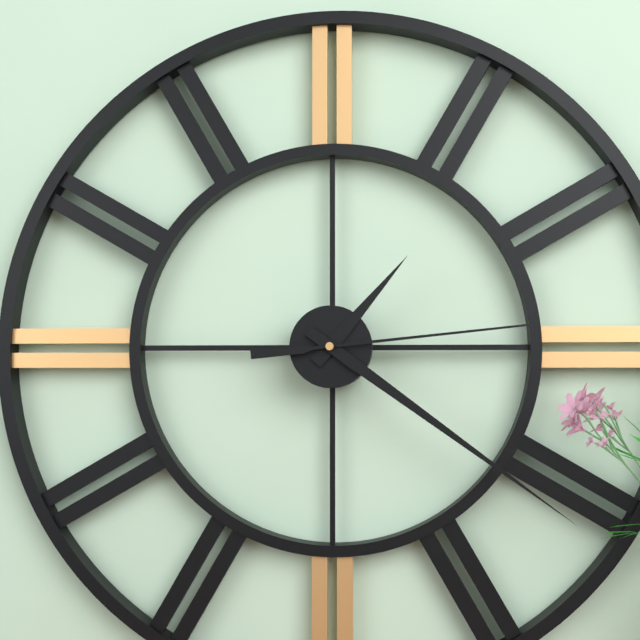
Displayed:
1:21:14
